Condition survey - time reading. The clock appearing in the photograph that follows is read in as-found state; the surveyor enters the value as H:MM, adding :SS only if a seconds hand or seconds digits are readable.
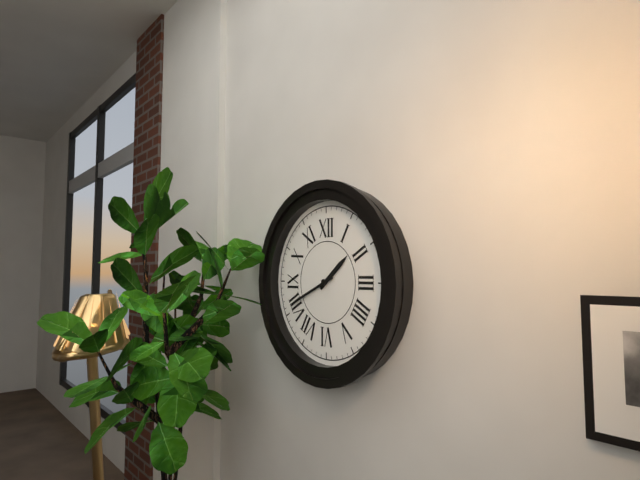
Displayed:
1:41
